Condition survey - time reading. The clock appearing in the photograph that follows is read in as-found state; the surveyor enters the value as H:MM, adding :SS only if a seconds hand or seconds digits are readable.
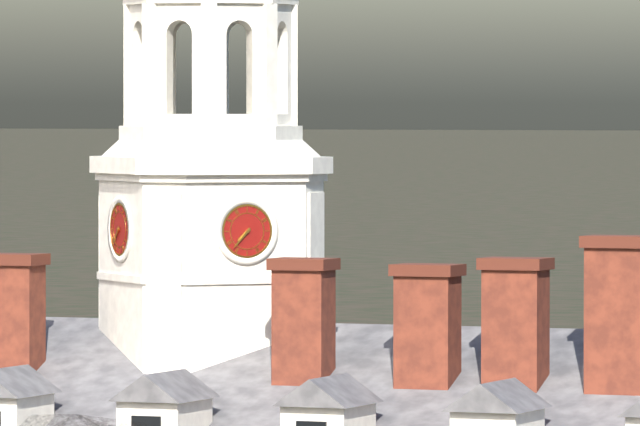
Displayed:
7:37
